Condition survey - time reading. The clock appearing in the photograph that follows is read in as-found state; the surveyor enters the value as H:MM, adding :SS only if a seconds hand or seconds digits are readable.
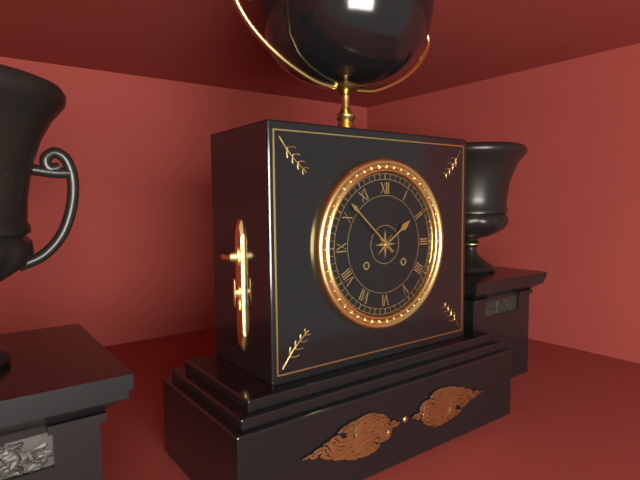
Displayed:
1:52
